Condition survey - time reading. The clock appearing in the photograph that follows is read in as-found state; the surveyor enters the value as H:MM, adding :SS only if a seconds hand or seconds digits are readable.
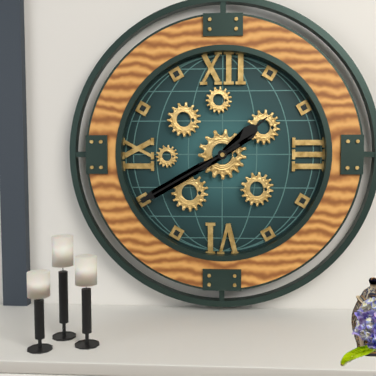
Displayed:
1:40
